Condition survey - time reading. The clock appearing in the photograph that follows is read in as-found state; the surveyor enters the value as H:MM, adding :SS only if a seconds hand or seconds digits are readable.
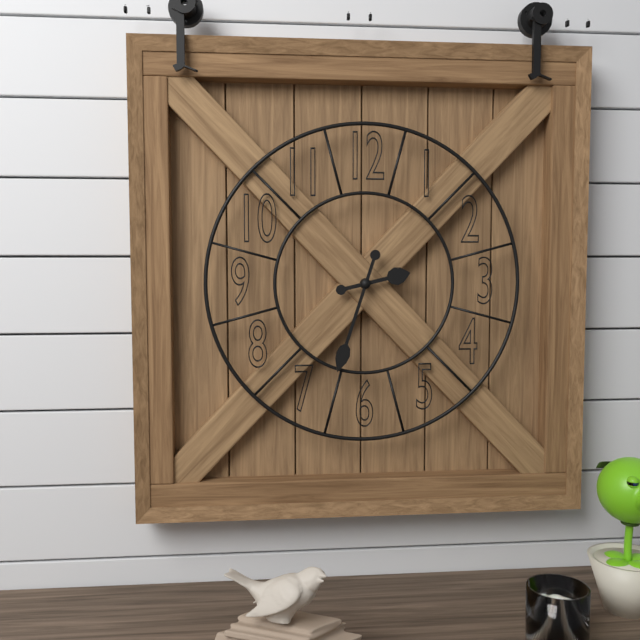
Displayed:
2:33
